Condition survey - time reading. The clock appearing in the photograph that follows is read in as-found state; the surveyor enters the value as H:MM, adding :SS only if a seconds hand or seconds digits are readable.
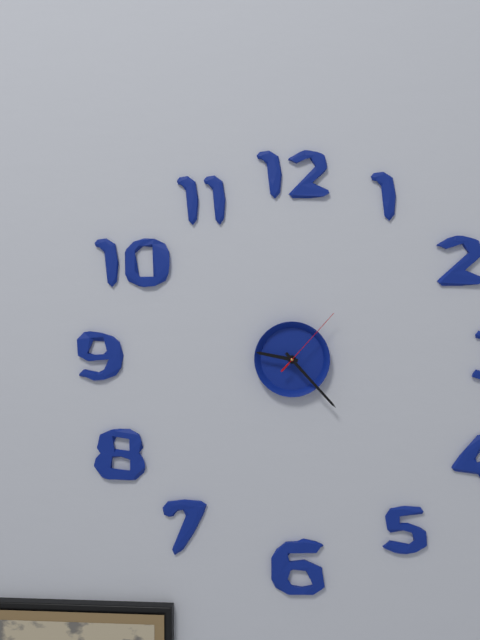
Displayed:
9:23:07
